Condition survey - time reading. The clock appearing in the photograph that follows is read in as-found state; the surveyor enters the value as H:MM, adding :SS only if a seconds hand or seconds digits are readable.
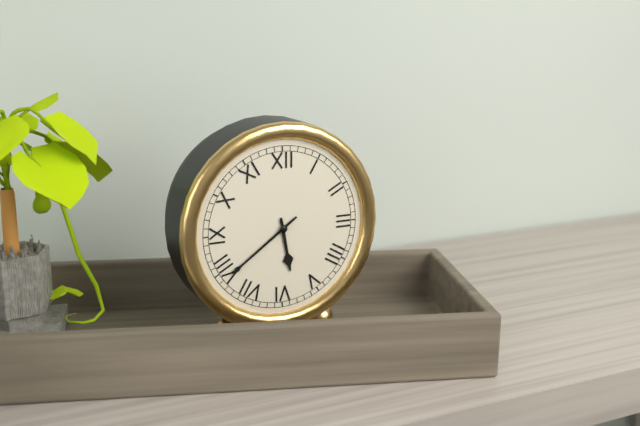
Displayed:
5:39
